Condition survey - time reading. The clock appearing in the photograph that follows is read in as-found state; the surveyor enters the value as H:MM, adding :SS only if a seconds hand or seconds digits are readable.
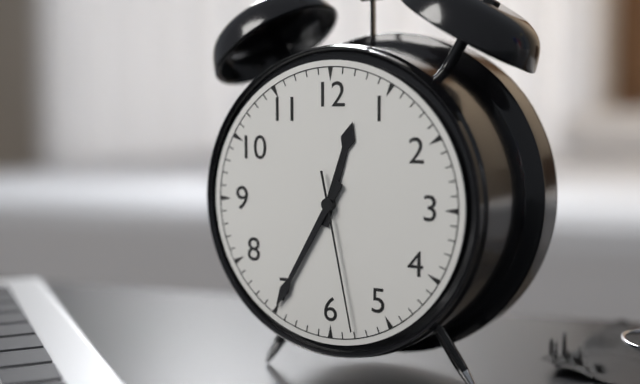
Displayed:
12:35:28
